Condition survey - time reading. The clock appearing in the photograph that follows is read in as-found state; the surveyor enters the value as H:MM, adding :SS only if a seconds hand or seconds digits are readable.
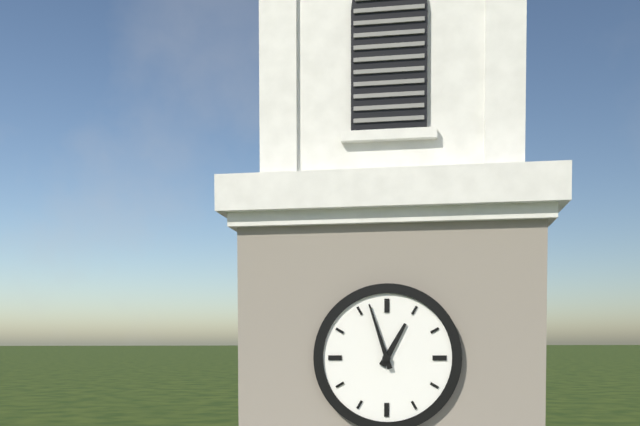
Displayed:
12:57
